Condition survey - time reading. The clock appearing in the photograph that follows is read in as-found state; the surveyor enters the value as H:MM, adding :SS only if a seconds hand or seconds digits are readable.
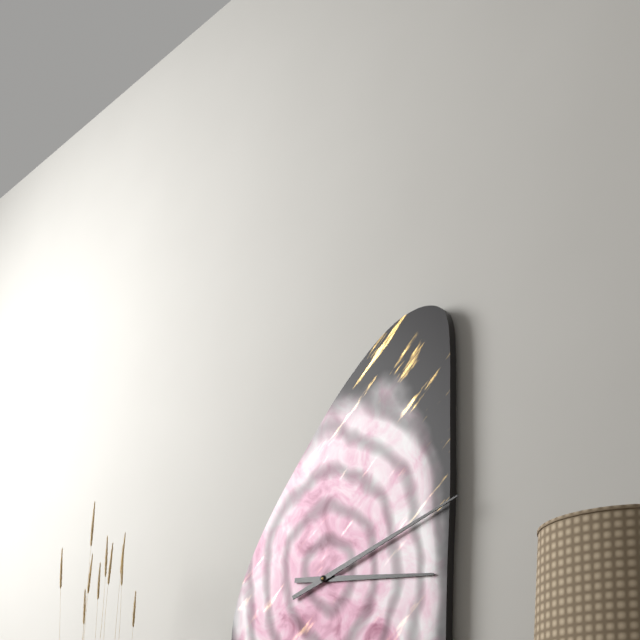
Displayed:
3:12
